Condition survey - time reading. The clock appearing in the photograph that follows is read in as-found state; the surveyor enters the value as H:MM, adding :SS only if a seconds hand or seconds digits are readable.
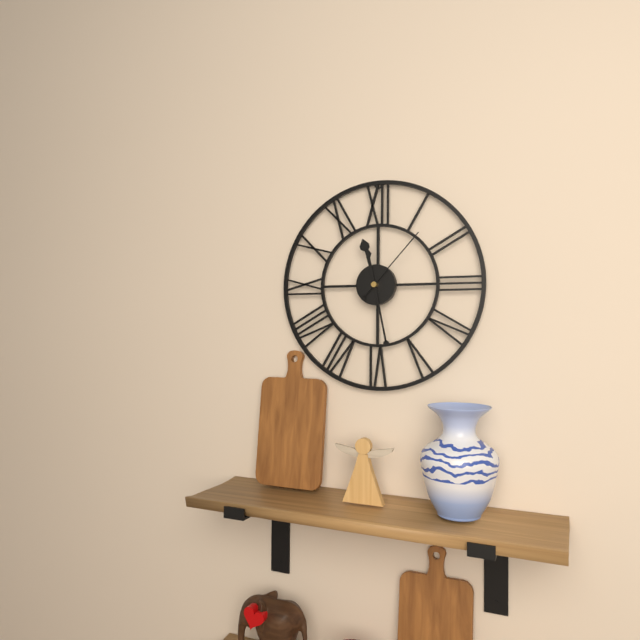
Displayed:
11:28:07
